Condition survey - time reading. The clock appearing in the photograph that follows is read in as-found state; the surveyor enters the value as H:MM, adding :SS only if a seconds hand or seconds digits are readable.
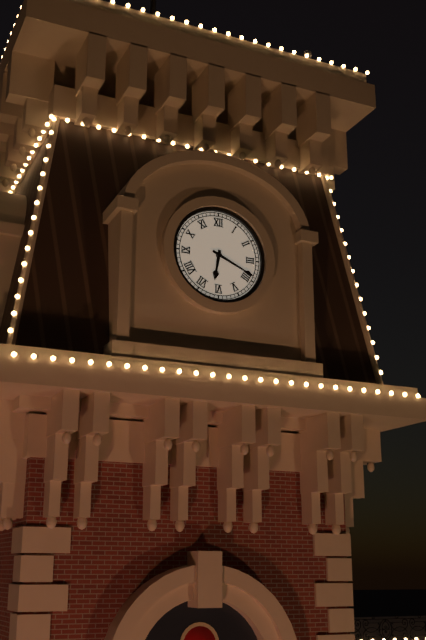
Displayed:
6:19
